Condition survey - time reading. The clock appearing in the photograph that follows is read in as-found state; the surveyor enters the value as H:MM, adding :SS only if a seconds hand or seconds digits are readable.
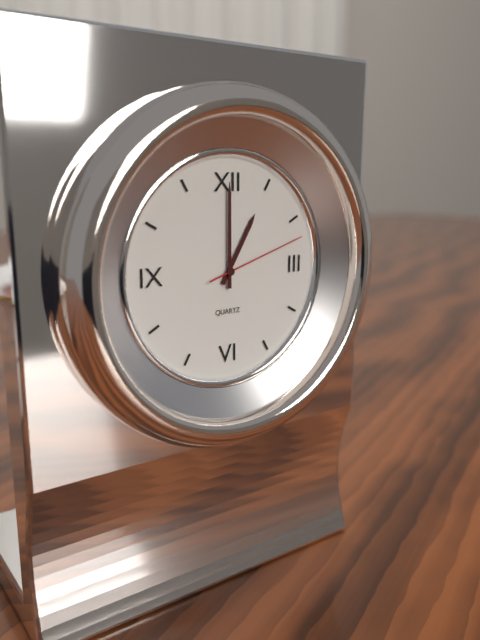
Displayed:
1:00:12
